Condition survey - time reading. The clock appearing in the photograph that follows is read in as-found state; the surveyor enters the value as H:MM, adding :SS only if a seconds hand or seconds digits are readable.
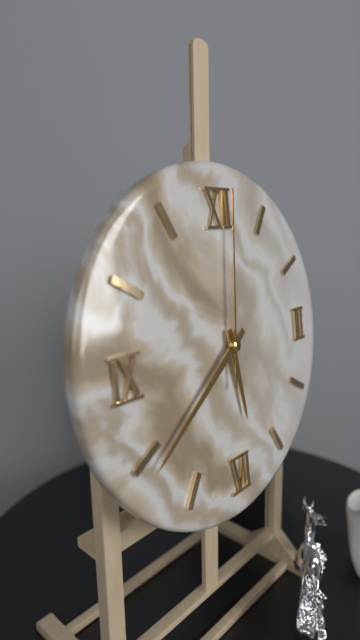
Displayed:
5:39:01
